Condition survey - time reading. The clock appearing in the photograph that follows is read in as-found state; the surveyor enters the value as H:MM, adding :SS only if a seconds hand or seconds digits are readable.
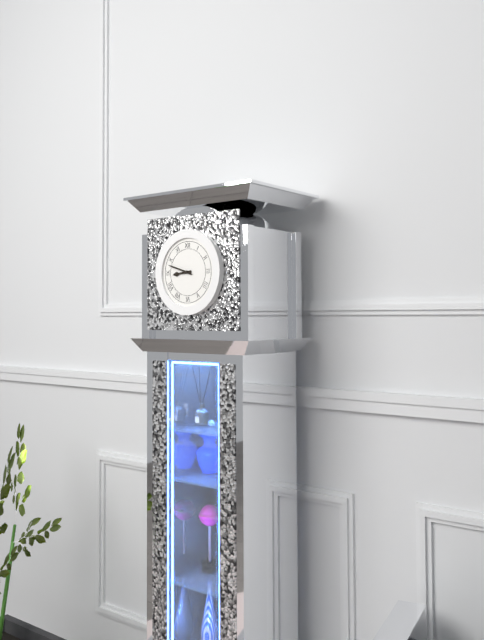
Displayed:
8:48
